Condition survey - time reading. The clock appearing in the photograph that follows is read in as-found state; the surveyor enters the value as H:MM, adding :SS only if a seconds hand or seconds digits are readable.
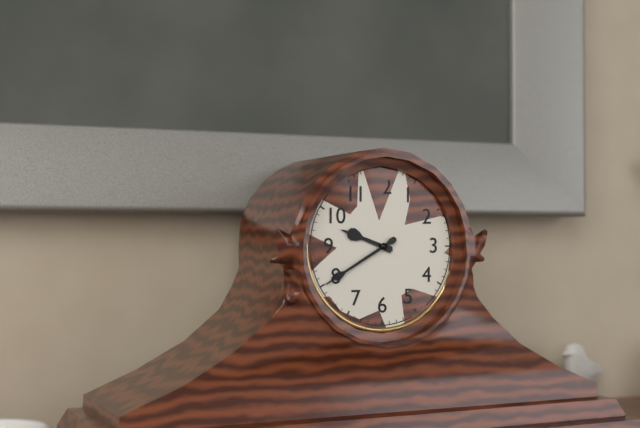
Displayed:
9:40
